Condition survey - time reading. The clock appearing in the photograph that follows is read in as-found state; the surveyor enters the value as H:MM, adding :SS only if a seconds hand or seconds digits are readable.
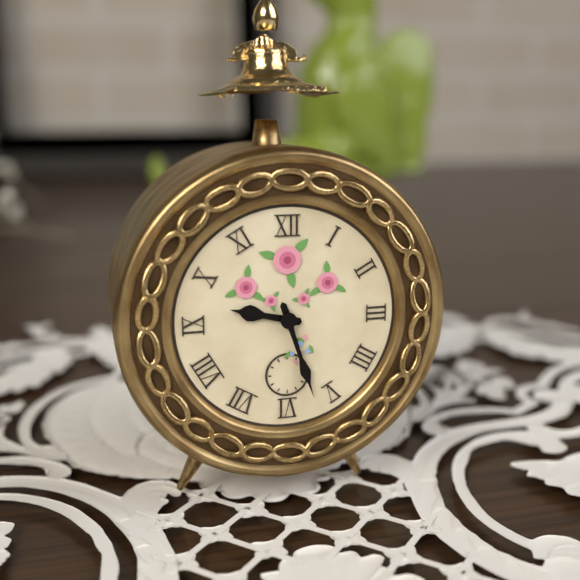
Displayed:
9:27
